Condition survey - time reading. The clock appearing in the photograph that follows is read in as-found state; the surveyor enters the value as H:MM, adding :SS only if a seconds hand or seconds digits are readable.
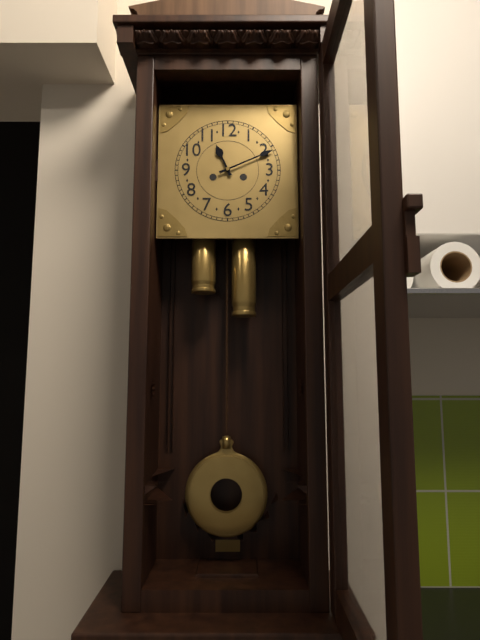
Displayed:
11:11
